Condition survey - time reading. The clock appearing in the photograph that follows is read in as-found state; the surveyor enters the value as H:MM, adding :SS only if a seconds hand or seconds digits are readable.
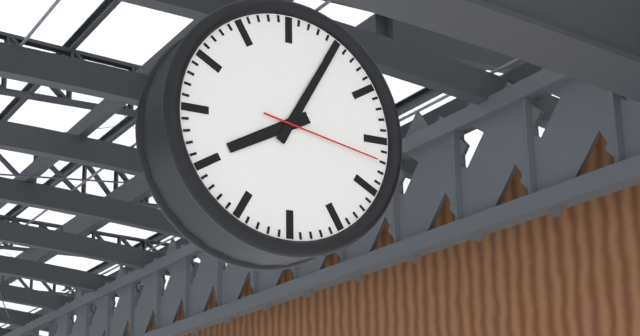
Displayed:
8:05:17
